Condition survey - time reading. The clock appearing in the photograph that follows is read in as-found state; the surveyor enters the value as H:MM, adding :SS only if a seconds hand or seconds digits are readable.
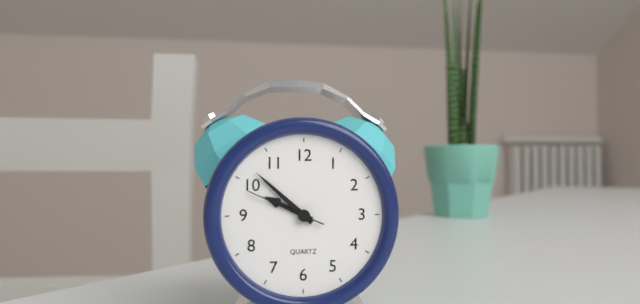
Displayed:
9:52:49
